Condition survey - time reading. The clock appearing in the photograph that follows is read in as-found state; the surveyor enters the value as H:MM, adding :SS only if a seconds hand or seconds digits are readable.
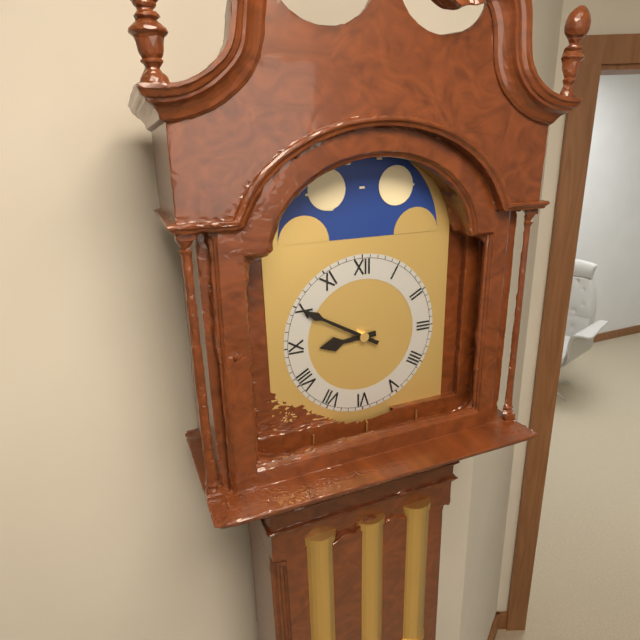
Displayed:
8:50
